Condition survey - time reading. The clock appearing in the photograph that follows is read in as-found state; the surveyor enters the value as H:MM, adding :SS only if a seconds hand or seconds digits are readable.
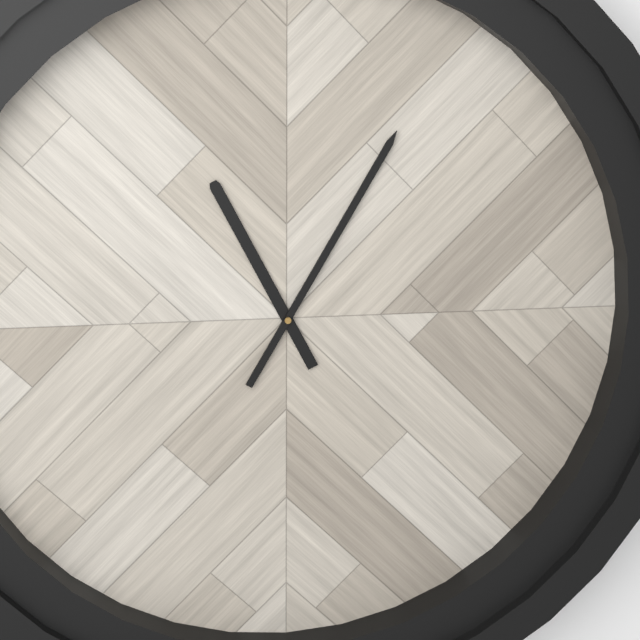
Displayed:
11:05
